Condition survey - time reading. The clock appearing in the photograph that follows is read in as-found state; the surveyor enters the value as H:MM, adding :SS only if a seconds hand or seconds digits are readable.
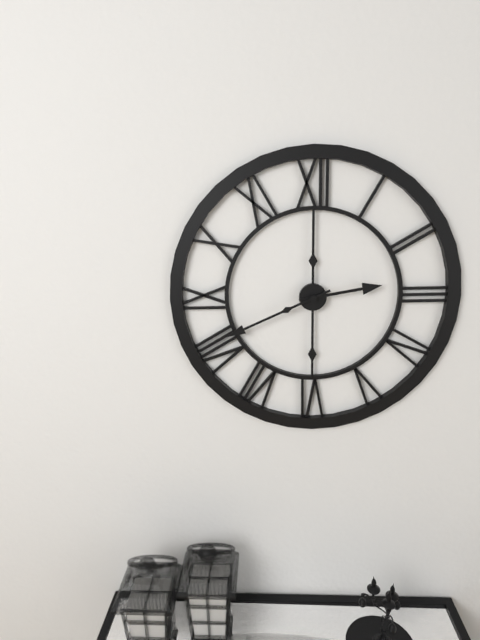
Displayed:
2:41
